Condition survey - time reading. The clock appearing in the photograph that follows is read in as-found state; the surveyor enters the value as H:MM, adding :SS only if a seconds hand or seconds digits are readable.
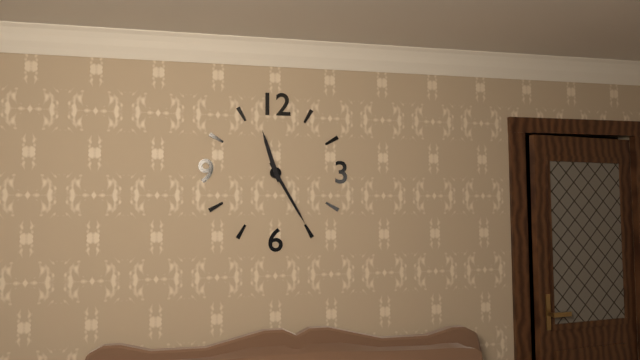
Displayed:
11:25
